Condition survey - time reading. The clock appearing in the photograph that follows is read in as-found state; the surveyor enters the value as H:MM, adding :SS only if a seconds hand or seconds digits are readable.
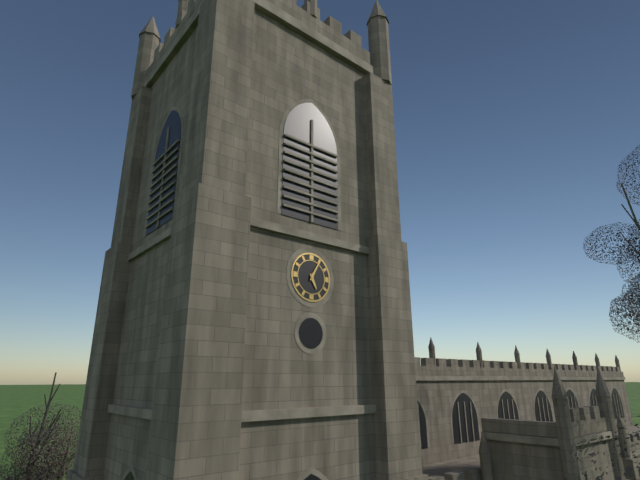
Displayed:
5:05
